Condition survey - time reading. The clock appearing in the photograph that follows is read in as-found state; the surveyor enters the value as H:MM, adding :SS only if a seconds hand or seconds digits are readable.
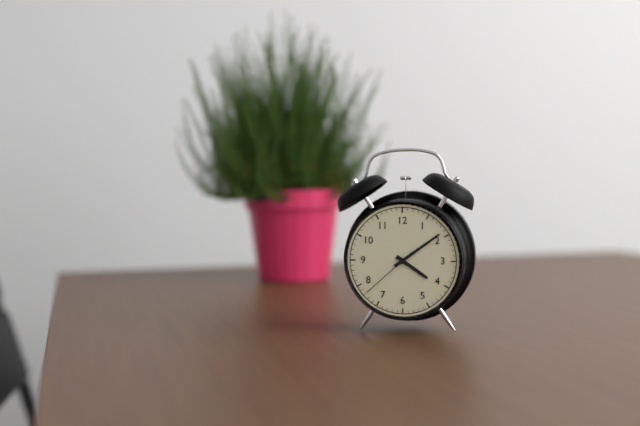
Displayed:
4:09:38
